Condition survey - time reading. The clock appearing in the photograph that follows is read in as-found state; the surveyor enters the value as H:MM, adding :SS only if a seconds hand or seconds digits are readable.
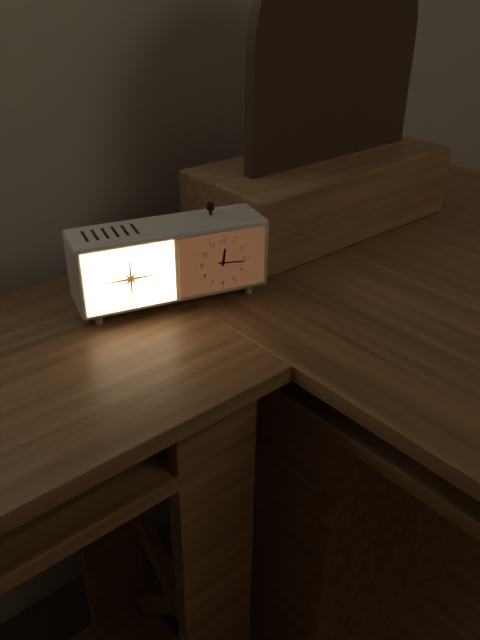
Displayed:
12:16
